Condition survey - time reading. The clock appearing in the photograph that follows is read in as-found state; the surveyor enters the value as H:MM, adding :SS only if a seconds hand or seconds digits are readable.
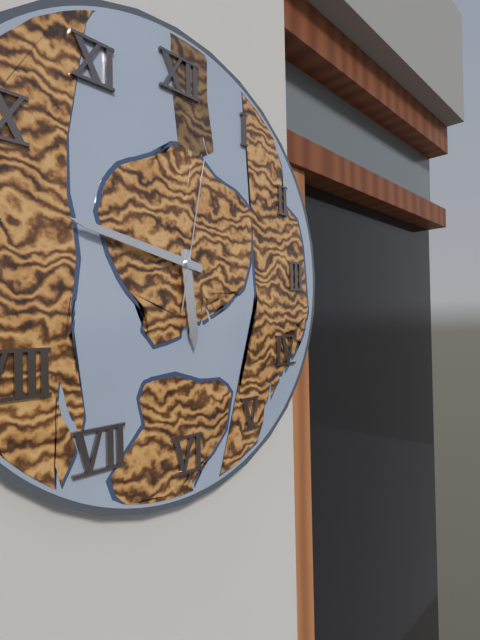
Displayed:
5:47:02
